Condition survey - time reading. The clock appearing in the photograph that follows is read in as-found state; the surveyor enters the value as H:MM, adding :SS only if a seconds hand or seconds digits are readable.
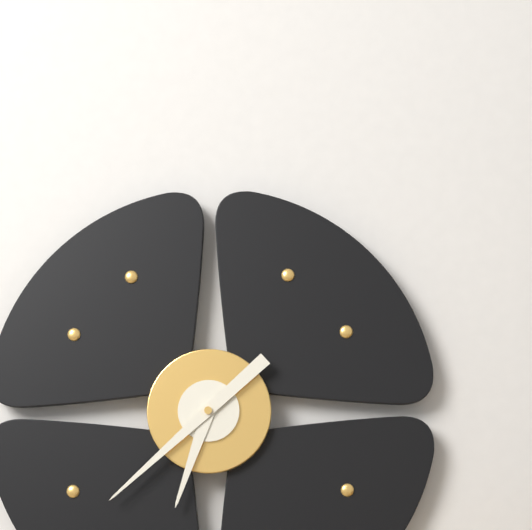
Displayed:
6:38
